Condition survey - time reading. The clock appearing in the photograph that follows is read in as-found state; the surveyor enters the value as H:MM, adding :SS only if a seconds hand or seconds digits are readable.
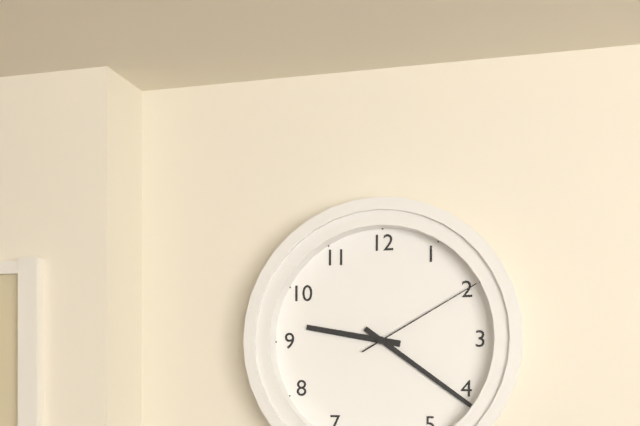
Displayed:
9:21:10
